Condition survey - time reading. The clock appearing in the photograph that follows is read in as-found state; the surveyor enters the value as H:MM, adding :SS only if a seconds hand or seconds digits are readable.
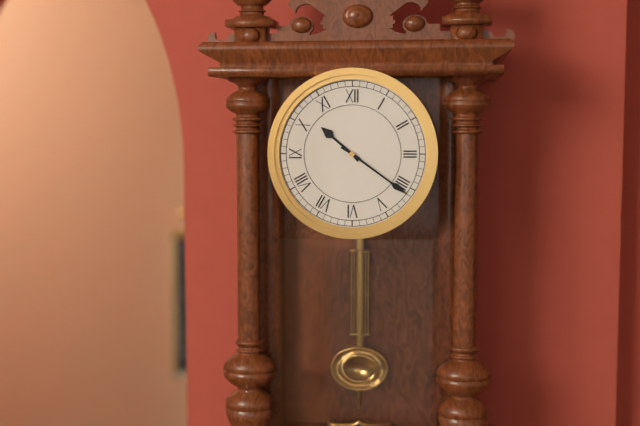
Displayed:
10:21
